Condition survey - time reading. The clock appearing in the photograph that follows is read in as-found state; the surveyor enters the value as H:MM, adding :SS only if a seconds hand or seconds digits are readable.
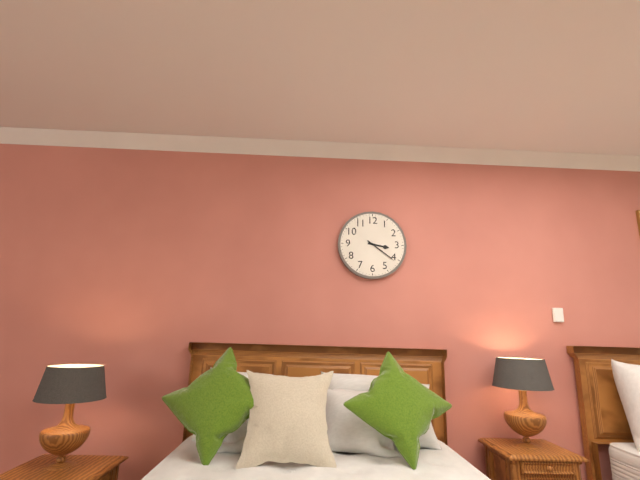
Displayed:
3:21
